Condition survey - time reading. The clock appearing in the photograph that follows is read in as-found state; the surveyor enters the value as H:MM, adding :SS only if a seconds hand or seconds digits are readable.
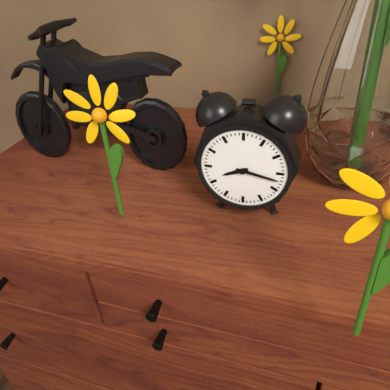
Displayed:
8:17
